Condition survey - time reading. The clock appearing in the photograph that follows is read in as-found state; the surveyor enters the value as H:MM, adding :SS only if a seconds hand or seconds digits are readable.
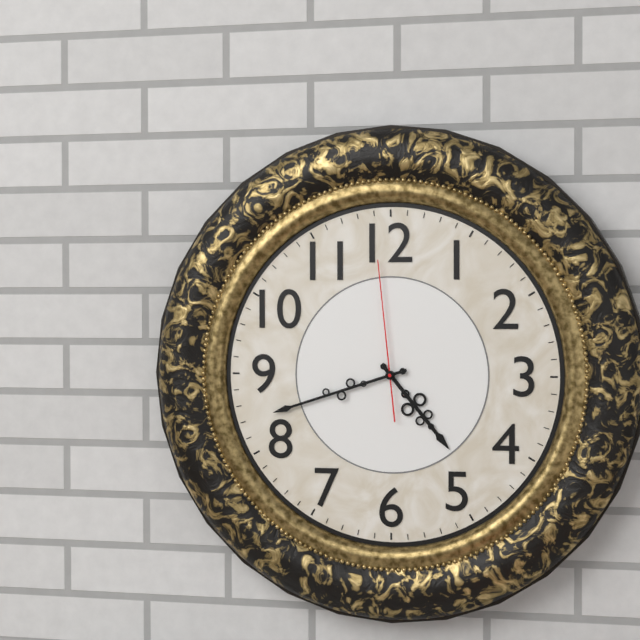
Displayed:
4:42:59
